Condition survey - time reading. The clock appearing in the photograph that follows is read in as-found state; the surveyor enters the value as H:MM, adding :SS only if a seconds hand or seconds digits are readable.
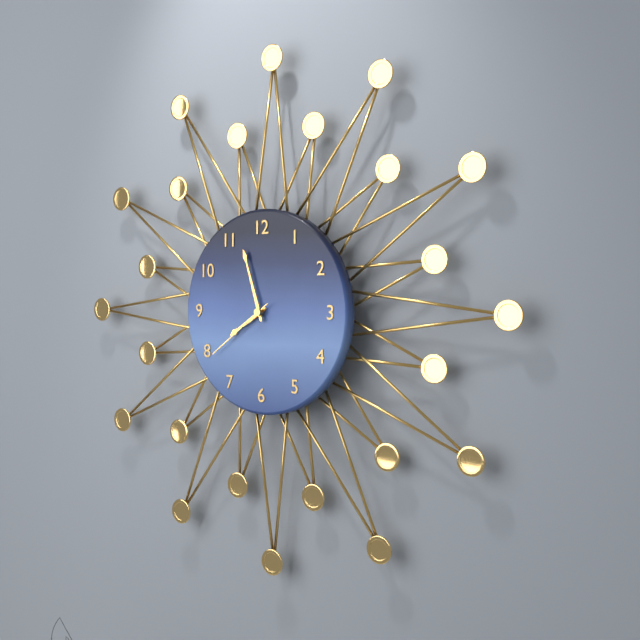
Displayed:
7:57:39
